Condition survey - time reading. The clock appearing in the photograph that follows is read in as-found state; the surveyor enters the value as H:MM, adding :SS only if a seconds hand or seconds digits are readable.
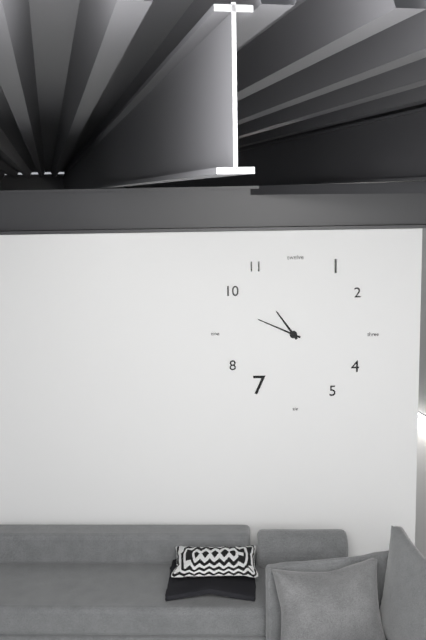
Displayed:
10:49
